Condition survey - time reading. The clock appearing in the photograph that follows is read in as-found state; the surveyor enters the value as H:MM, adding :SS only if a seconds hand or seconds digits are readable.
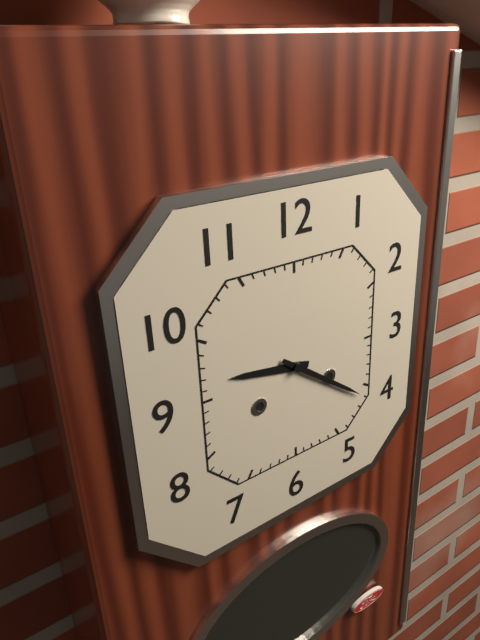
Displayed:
9:21
